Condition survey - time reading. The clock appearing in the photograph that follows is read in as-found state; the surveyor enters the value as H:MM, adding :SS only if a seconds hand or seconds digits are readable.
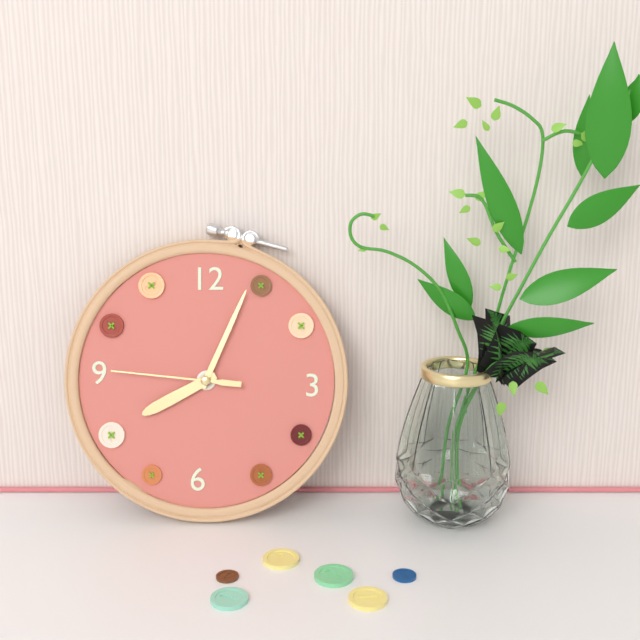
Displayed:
8:04:46
